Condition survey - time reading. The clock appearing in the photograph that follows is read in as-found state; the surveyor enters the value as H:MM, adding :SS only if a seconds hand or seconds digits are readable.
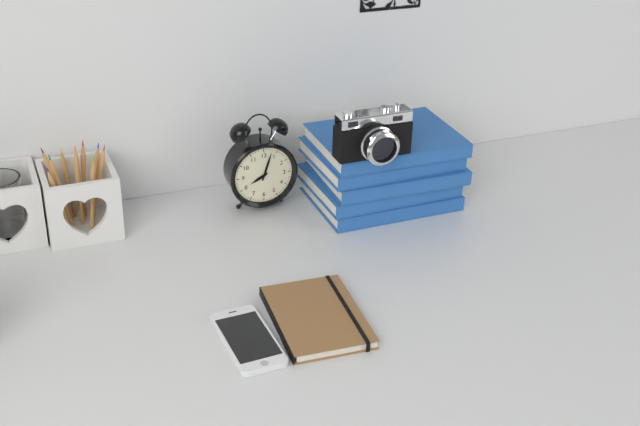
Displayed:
8:03
